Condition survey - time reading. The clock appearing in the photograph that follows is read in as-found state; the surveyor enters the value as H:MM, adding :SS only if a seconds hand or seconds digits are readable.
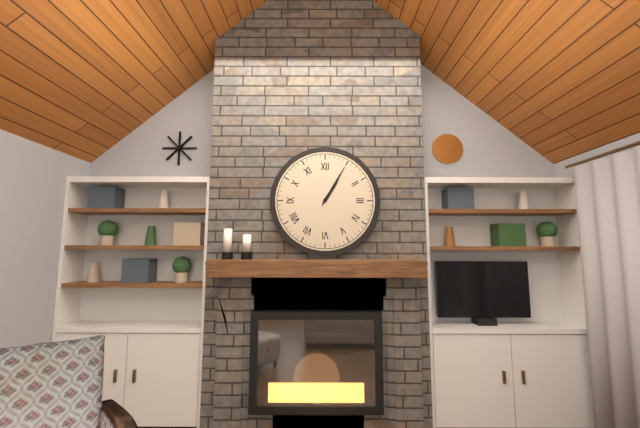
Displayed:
1:05
